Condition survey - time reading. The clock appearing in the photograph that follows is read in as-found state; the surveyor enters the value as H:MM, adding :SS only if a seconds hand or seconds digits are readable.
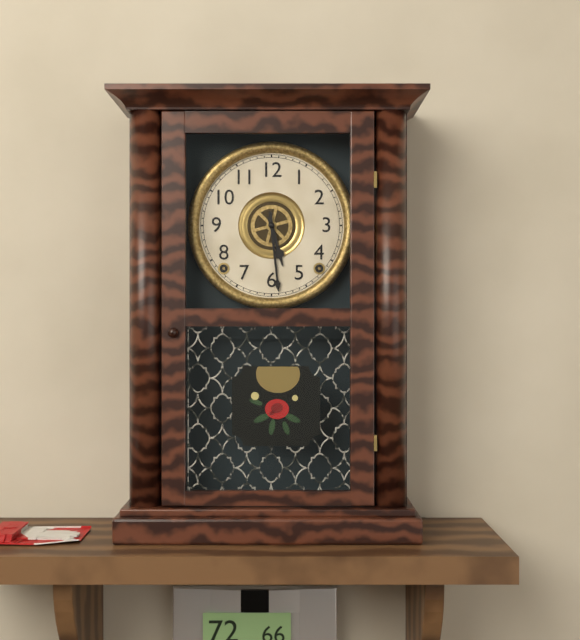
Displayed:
5:29
